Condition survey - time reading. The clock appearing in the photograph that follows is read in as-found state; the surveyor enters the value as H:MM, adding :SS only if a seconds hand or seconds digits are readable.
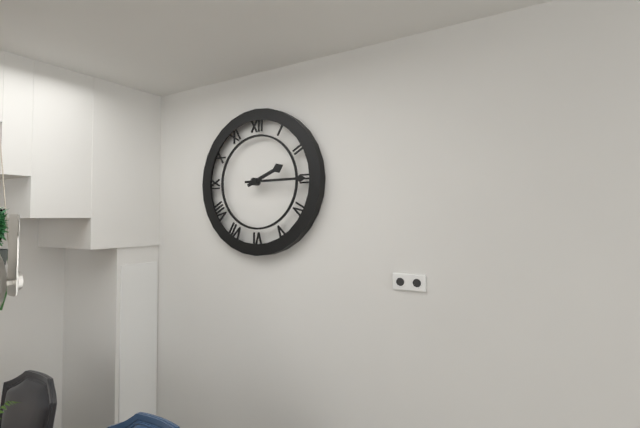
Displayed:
2:15
